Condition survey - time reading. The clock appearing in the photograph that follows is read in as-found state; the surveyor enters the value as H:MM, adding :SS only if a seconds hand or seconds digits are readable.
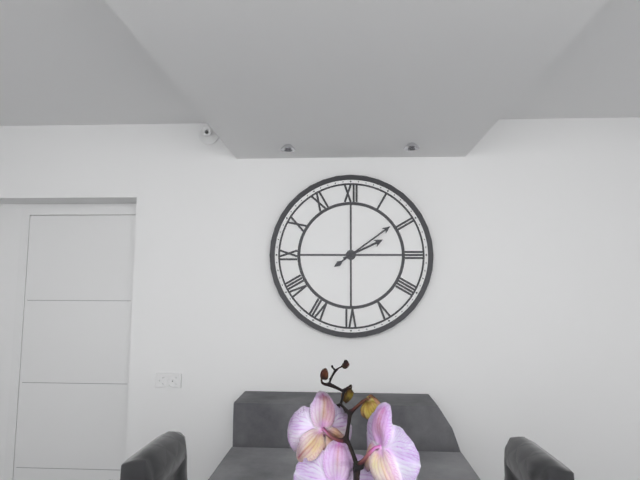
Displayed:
2:09
